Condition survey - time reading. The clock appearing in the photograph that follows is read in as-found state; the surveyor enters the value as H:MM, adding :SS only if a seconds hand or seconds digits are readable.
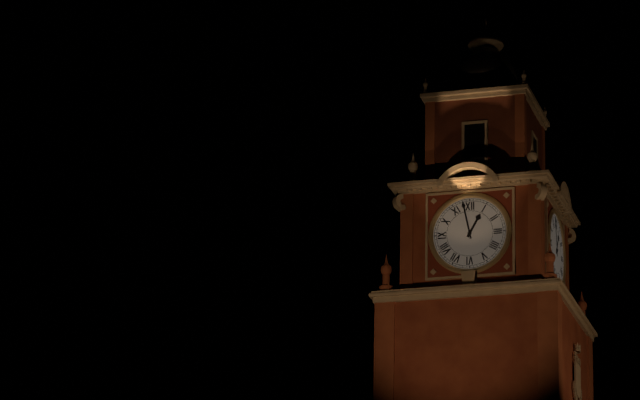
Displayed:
12:58
